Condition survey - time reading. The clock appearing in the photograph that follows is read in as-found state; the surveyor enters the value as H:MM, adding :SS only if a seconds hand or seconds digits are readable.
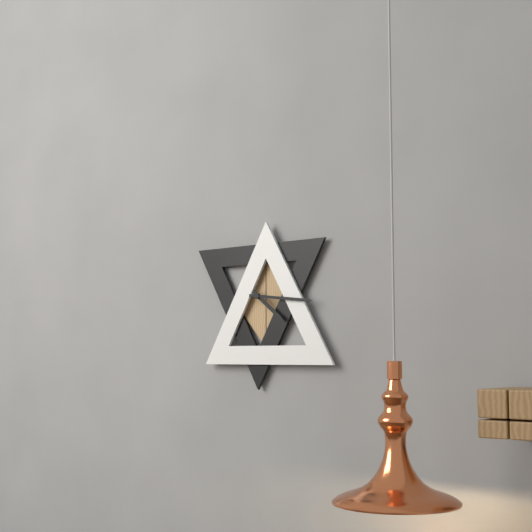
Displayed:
4:16
